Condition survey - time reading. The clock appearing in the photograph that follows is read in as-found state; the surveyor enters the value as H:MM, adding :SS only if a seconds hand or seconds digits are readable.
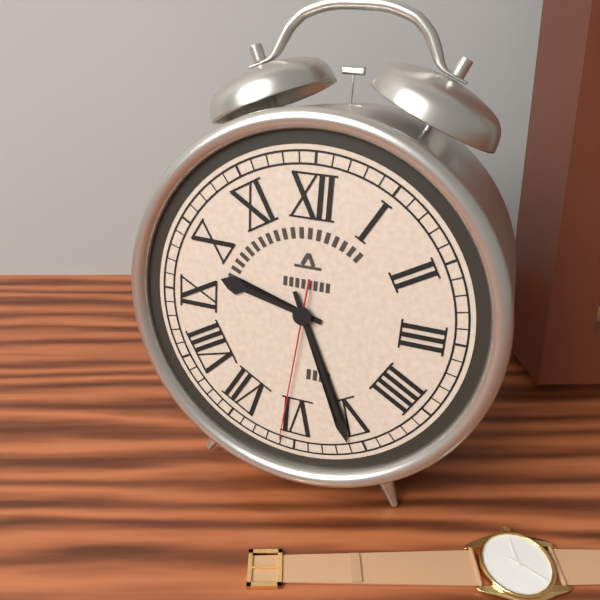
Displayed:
9:26:31
